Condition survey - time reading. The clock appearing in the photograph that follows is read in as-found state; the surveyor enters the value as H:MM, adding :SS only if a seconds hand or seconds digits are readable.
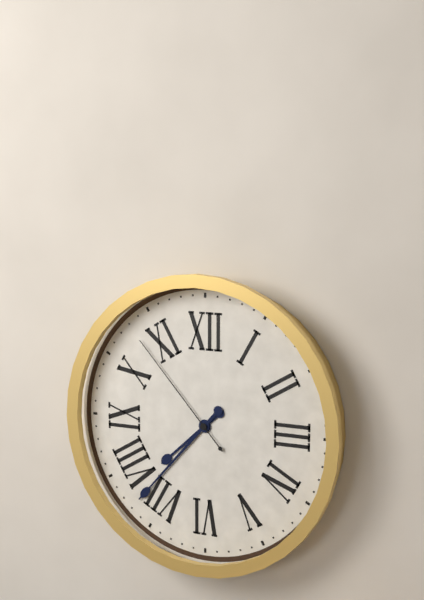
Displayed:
7:37:53
